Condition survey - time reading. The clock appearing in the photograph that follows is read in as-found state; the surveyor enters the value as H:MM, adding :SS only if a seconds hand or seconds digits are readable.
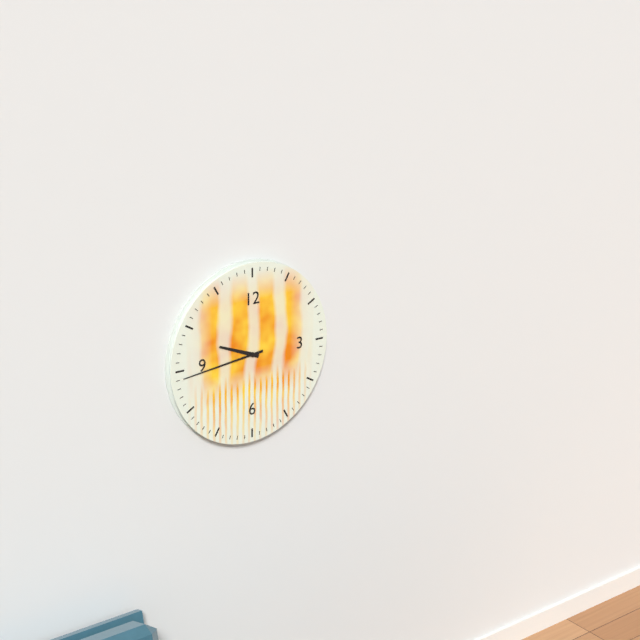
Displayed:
9:44
